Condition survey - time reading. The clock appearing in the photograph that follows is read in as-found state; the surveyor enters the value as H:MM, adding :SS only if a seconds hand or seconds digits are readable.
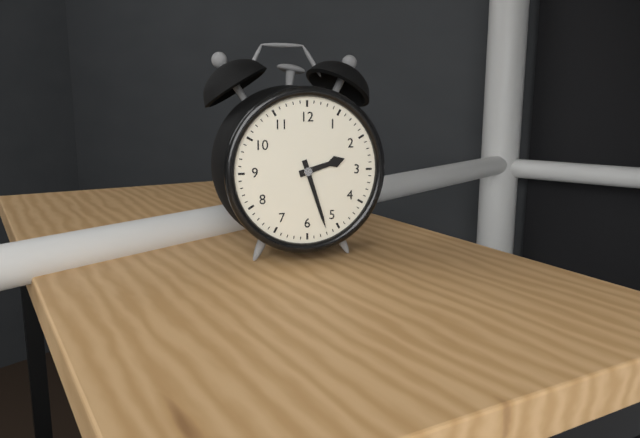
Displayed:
2:27
